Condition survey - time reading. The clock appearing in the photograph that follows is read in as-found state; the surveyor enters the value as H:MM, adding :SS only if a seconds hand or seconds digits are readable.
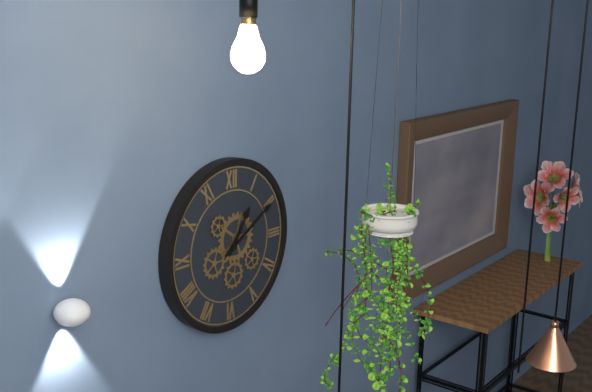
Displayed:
1:10
